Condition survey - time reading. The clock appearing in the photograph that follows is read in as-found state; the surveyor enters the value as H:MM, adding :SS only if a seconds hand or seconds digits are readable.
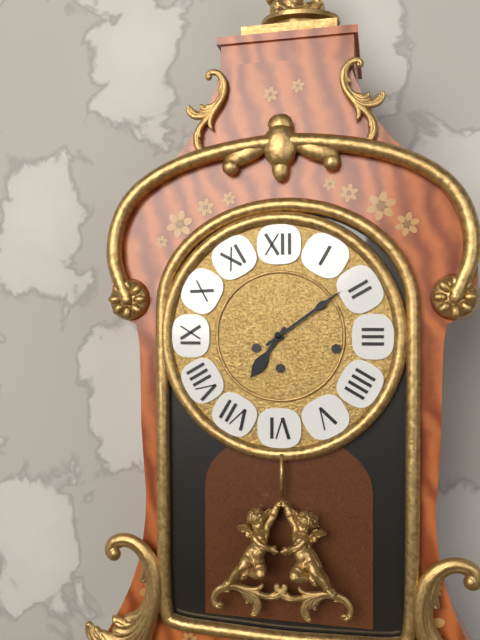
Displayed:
7:09
